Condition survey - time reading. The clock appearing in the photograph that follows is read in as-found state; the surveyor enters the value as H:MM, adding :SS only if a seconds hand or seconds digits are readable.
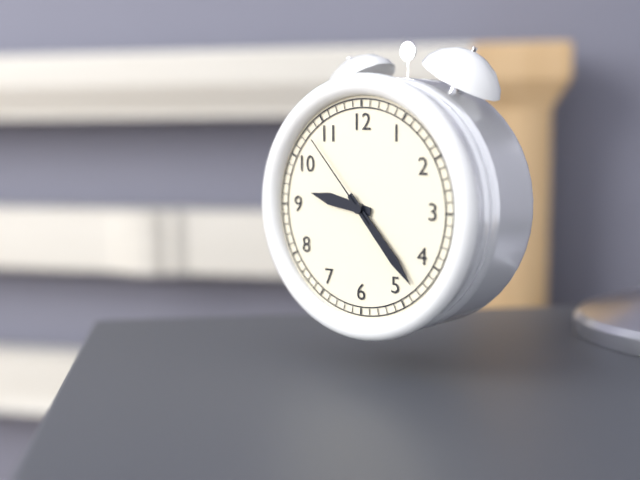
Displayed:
9:23:53
